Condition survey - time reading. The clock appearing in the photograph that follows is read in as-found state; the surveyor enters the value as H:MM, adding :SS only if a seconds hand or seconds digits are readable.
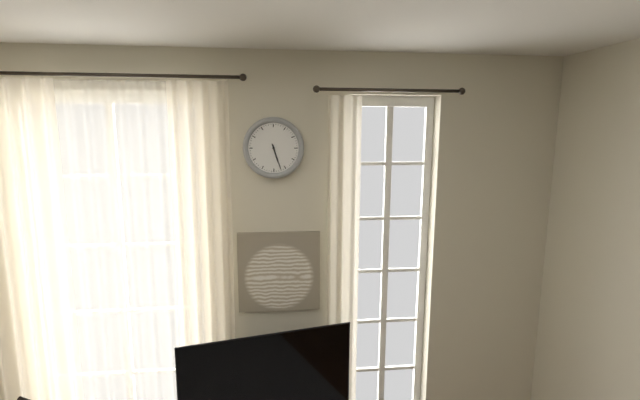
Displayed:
5:27
